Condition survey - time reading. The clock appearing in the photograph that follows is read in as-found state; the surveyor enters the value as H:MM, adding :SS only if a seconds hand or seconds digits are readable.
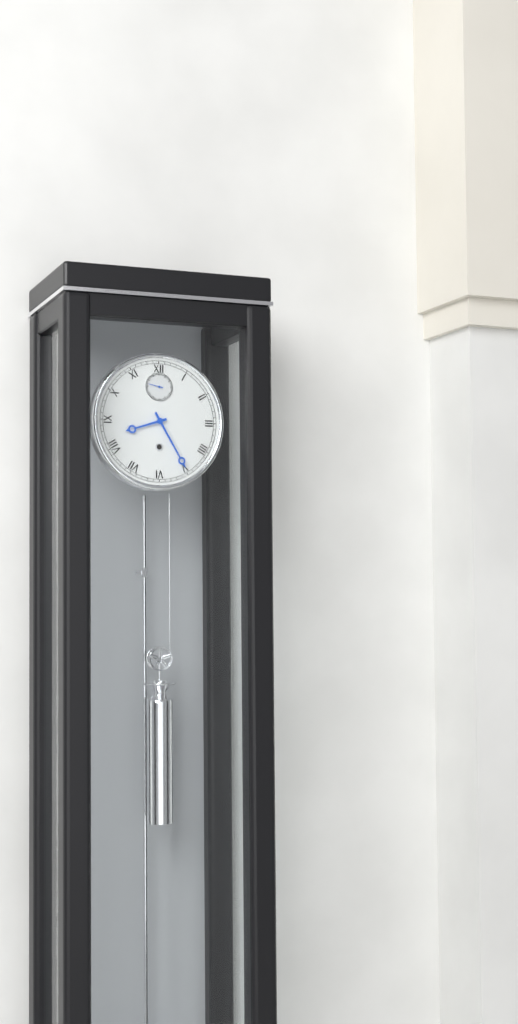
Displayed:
8:25
